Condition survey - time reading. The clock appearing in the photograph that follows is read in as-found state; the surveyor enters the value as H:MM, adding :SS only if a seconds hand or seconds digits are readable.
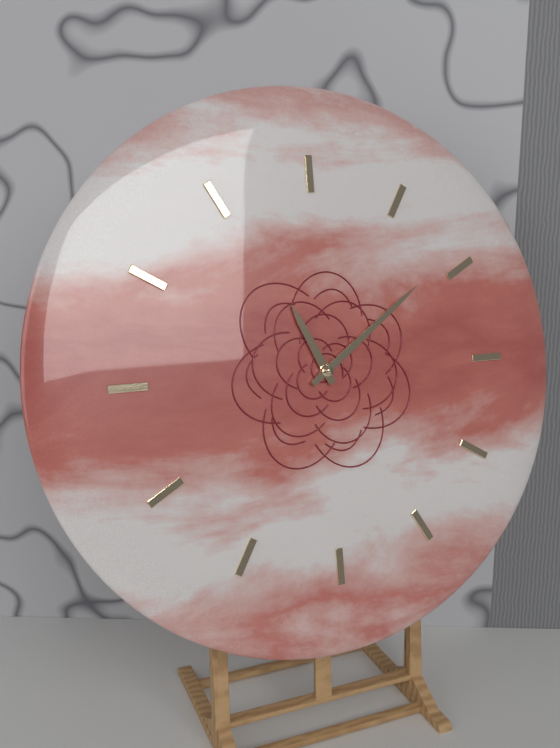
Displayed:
11:09
